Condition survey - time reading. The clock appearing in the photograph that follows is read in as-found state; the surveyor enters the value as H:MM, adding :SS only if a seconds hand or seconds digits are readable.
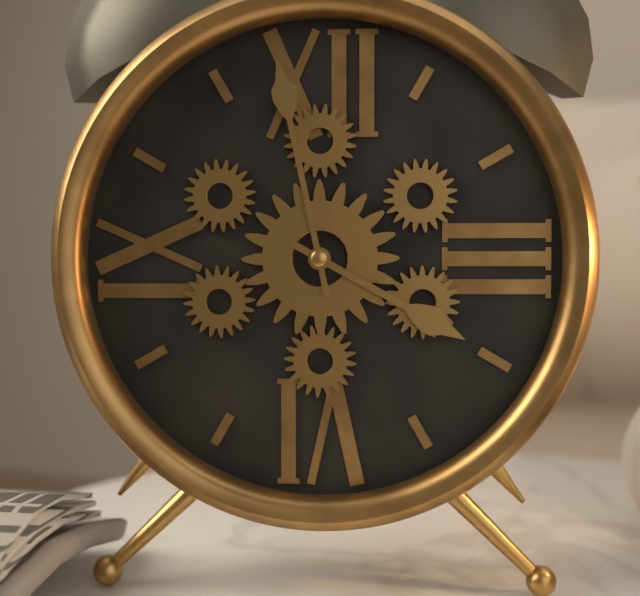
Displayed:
3:58
